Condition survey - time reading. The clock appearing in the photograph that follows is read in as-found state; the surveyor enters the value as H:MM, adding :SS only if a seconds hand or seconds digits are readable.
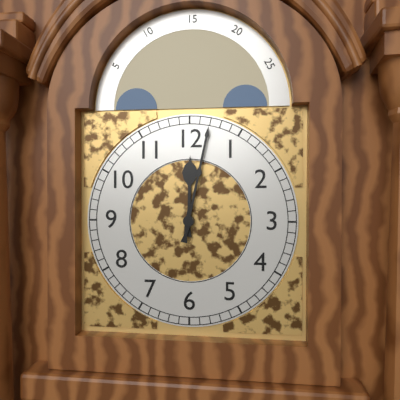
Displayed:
12:02
